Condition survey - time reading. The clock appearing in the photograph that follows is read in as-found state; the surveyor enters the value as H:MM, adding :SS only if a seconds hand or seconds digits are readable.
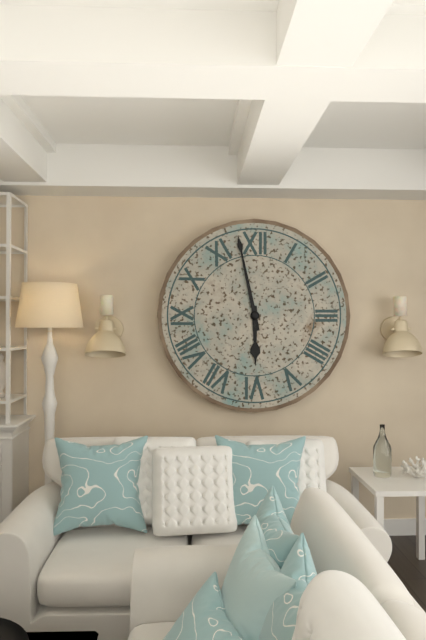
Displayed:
5:58
